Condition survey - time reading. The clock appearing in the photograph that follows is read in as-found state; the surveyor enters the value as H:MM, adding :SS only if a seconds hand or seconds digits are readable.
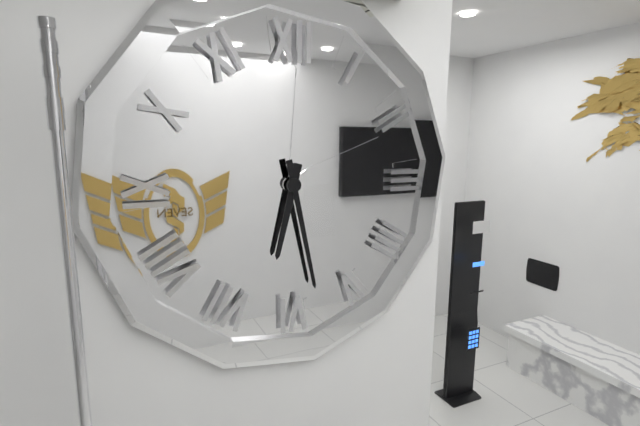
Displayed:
6:28
